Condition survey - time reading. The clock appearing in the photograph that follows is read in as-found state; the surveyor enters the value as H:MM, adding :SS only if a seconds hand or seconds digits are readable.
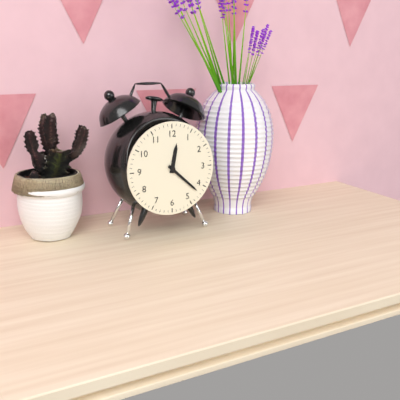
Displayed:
12:22
